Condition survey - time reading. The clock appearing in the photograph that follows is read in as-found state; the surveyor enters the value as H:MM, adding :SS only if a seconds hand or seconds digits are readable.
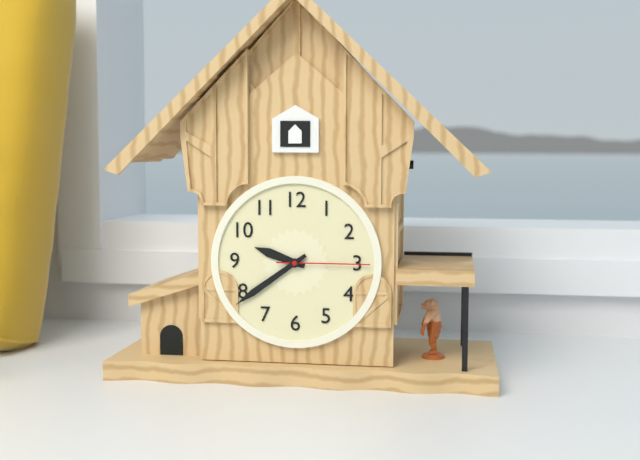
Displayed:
9:39:15
